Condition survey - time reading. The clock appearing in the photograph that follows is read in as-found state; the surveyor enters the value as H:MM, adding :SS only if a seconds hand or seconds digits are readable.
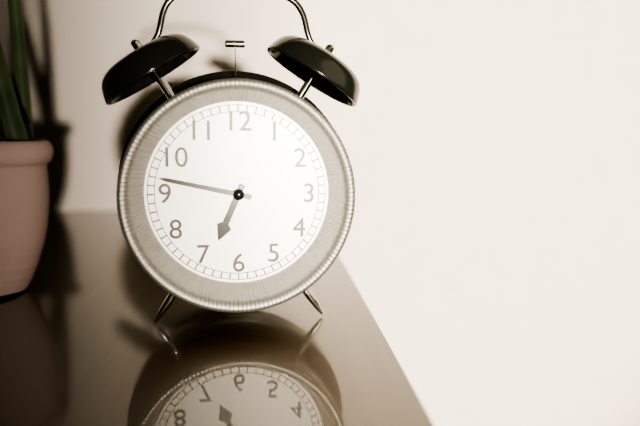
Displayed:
6:47
